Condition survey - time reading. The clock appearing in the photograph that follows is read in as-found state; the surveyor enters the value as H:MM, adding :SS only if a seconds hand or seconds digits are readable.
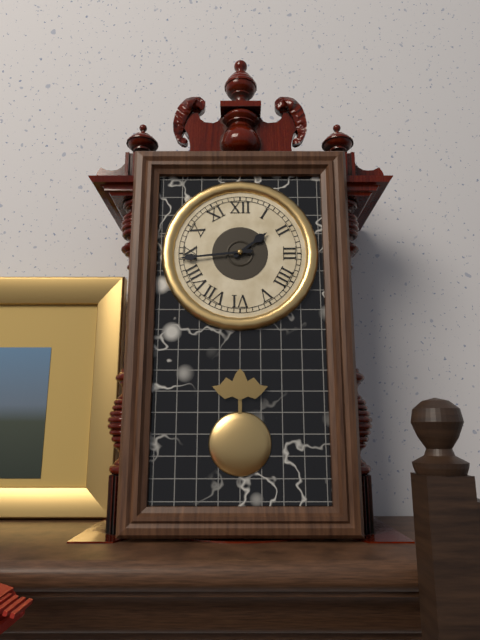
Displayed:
1:44
